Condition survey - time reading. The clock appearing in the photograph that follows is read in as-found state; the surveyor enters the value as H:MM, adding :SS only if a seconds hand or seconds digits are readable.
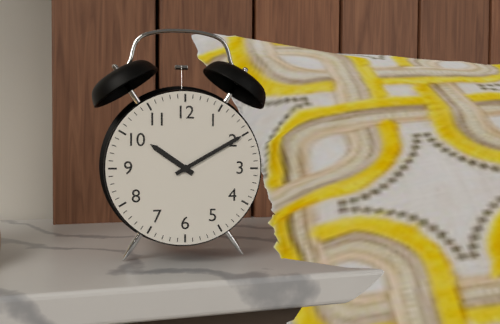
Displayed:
10:10
